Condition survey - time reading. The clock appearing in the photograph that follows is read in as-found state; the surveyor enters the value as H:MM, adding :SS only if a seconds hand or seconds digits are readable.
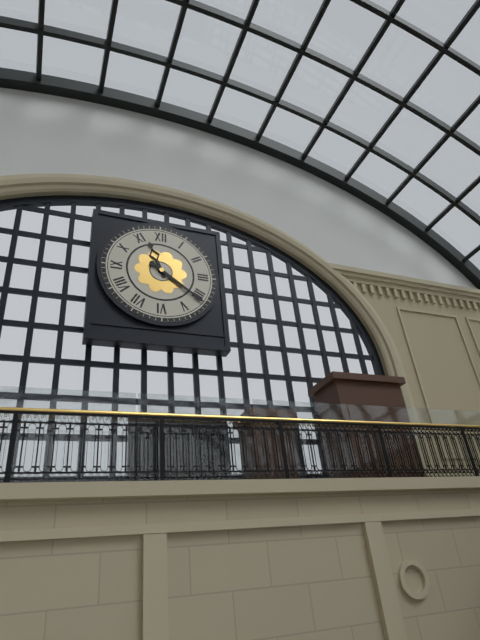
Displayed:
11:21
